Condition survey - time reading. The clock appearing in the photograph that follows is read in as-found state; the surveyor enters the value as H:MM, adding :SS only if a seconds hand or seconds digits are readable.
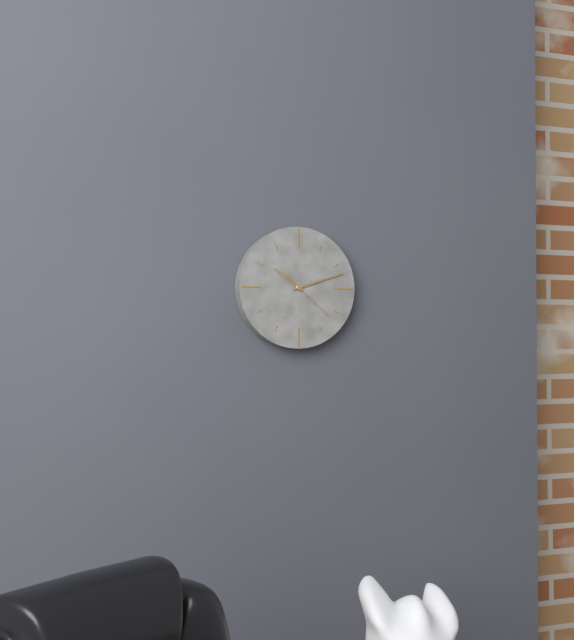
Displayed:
10:12:22
